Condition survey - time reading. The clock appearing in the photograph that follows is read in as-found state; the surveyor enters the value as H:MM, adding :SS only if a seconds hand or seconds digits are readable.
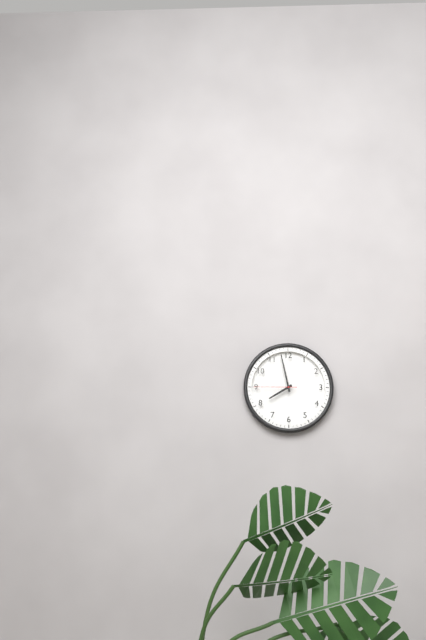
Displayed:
7:58
